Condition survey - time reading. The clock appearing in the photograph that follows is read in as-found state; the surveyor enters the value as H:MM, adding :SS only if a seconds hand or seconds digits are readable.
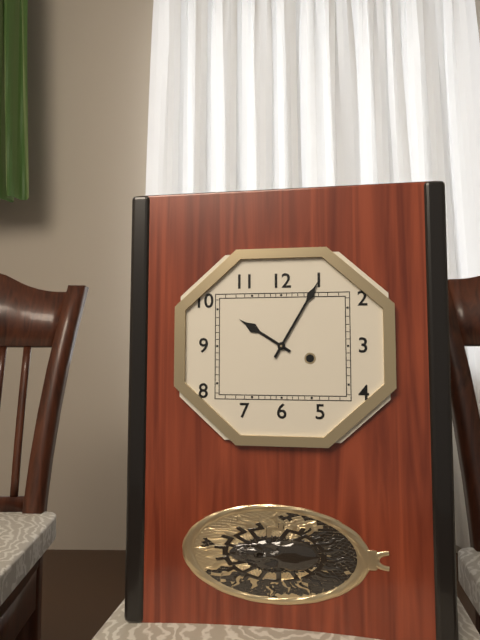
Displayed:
10:05
